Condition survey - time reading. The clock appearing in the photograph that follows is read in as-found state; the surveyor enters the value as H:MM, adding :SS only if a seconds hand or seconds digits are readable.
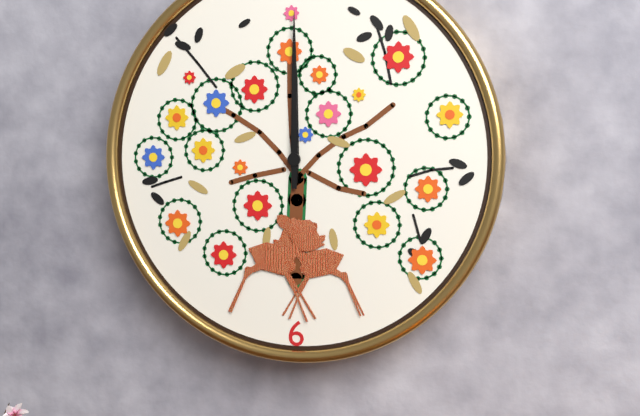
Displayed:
12:00
